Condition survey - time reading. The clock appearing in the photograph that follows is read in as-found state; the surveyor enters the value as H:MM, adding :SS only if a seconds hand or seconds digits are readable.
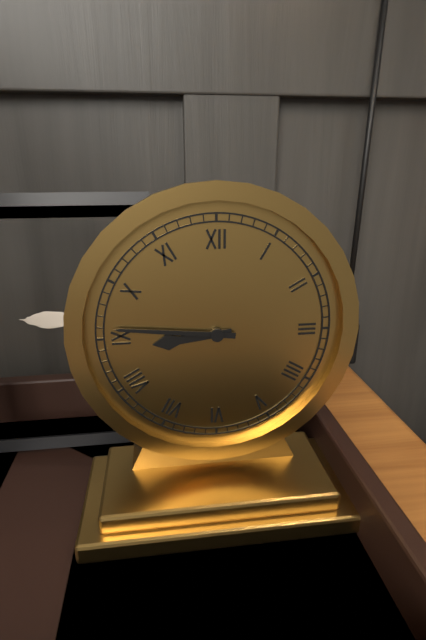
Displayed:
8:46
